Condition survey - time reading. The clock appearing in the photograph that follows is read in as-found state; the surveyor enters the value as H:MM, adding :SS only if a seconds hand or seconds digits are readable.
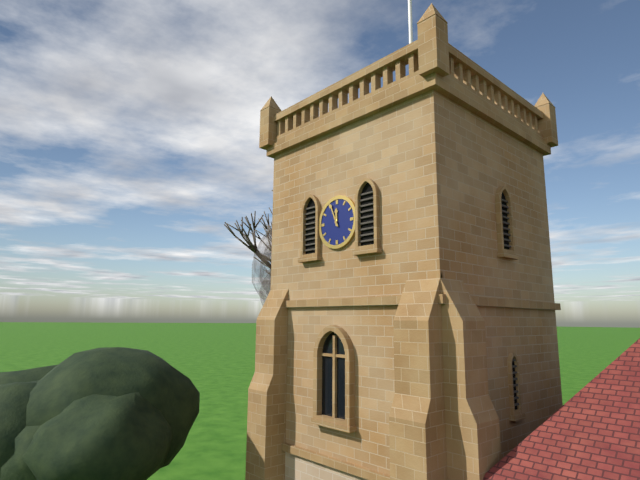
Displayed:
11:56
